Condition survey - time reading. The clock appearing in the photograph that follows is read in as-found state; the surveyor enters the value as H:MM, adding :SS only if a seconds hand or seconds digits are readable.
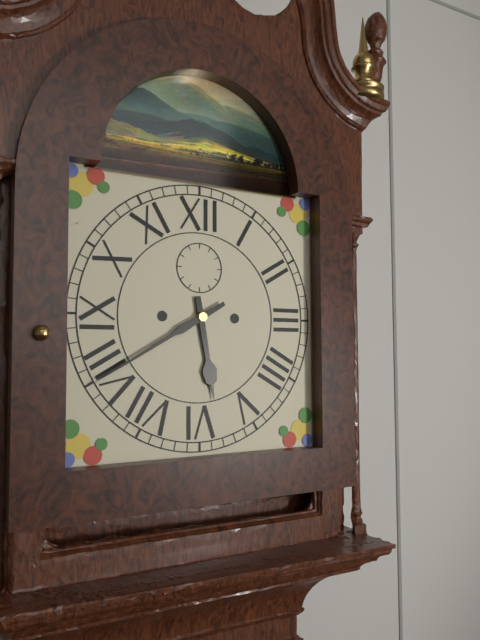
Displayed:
5:40
